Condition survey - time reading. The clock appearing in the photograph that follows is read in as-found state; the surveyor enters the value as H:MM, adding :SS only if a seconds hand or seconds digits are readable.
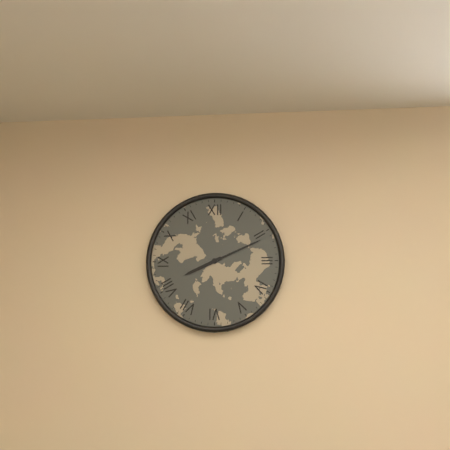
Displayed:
8:11
